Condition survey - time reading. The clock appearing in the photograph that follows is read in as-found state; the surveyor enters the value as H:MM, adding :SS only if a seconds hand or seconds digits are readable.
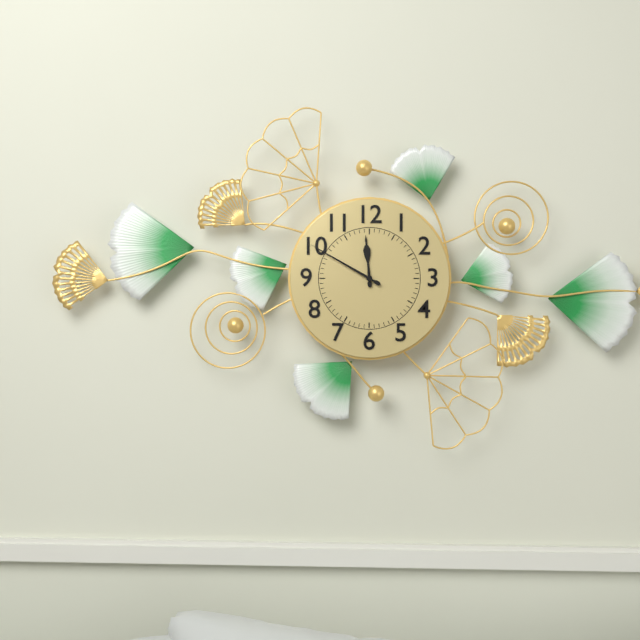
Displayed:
11:50
